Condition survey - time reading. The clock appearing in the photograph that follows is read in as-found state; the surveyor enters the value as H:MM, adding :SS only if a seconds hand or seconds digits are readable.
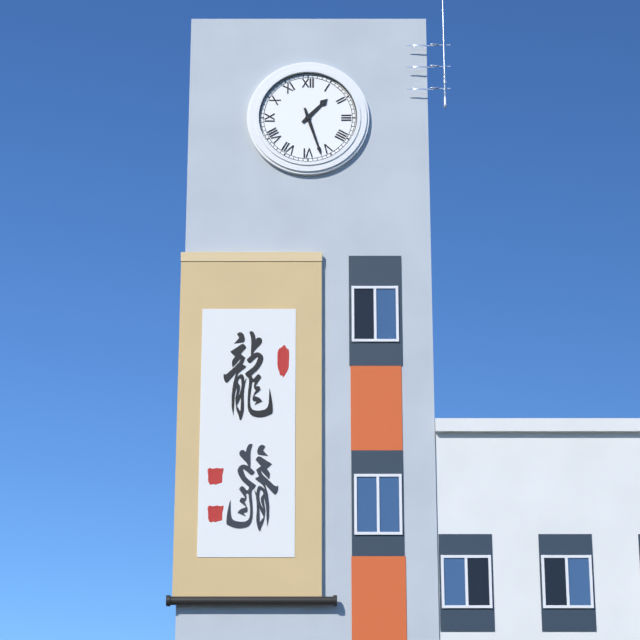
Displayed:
1:27
